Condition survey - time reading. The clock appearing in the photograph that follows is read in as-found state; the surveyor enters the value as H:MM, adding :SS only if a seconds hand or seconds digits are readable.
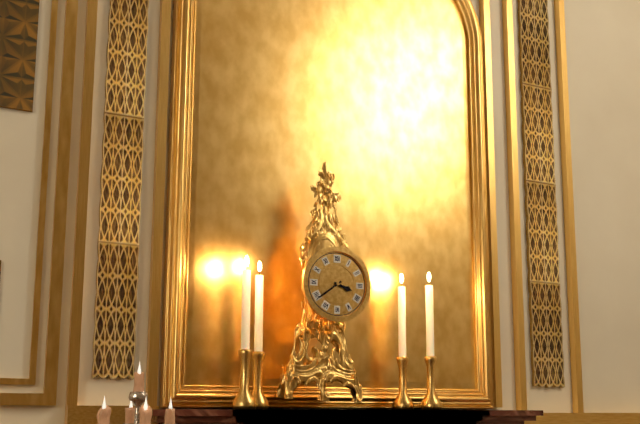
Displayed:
3:39
